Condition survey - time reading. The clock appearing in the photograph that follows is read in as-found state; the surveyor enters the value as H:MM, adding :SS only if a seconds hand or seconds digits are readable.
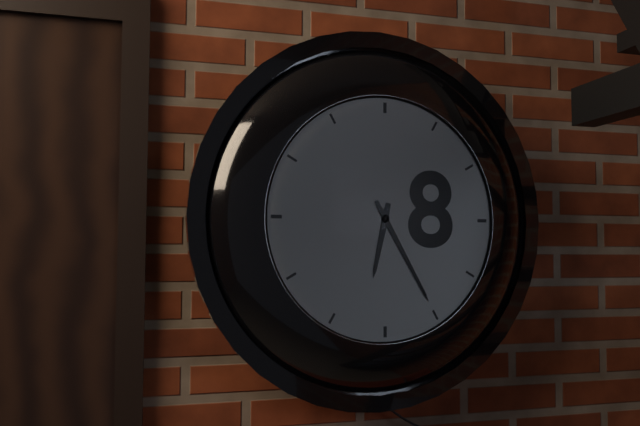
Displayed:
6:25
